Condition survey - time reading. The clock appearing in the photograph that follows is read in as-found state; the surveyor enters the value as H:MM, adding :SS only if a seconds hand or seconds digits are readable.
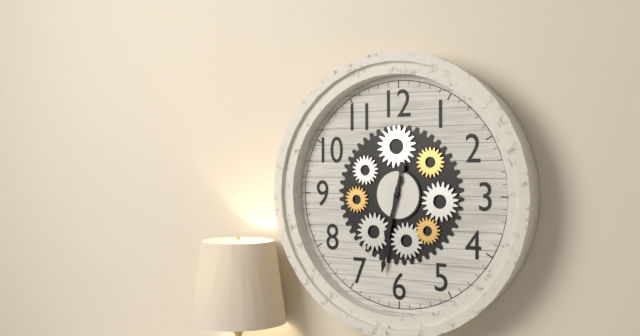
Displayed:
6:32
